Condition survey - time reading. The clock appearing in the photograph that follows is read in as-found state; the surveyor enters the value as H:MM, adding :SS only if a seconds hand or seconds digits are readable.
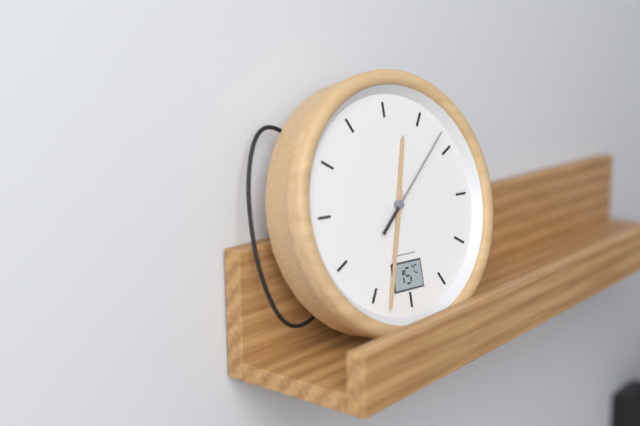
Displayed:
12:33:08
